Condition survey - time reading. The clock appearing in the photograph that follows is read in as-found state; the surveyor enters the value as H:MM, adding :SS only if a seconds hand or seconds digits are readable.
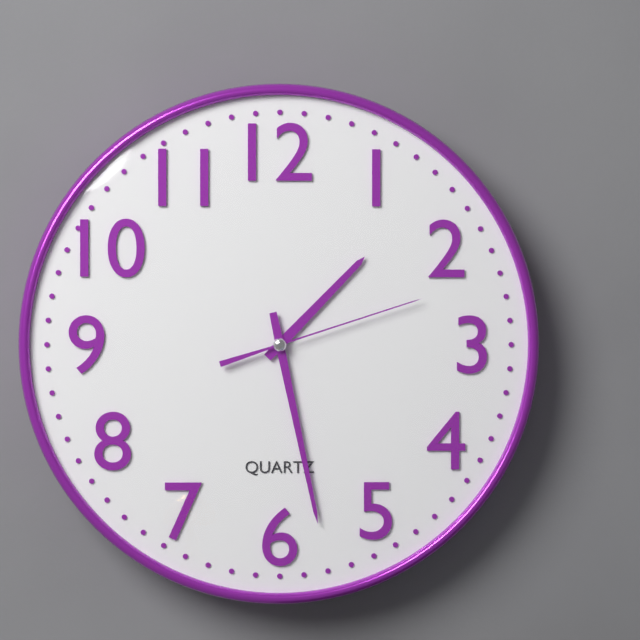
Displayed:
1:28:12
